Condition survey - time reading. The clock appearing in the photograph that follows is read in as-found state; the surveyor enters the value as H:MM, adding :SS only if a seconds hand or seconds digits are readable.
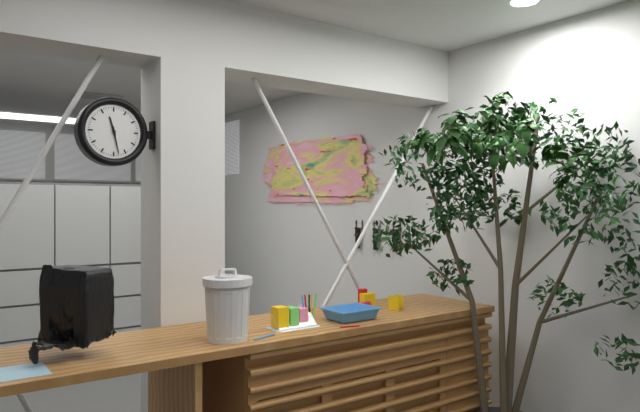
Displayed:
11:28
